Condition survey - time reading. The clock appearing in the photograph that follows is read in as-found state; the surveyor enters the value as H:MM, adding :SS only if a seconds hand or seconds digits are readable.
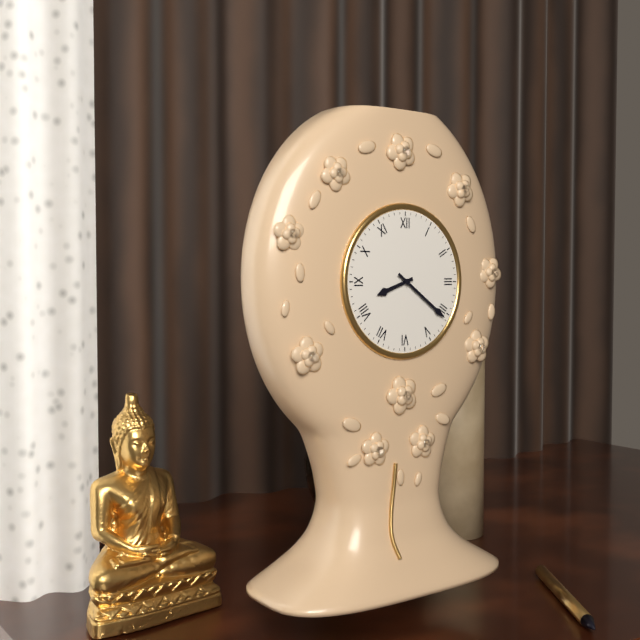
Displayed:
8:21
